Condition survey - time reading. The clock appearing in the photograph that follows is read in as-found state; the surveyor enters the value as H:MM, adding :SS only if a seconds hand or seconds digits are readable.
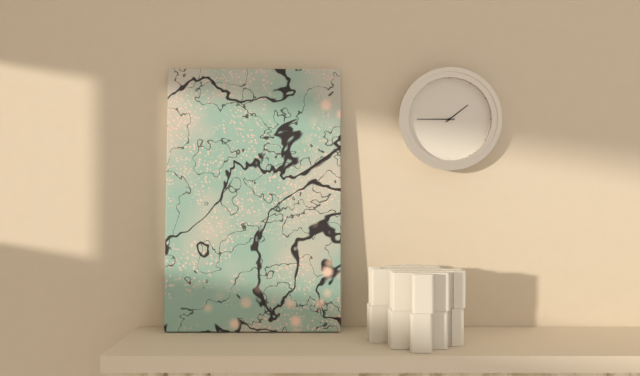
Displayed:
1:45
